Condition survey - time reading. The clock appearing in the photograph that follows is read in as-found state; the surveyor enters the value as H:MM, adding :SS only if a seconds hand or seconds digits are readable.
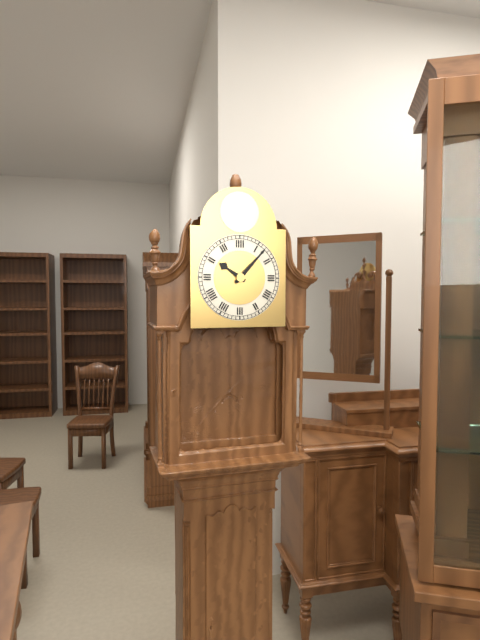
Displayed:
10:07
